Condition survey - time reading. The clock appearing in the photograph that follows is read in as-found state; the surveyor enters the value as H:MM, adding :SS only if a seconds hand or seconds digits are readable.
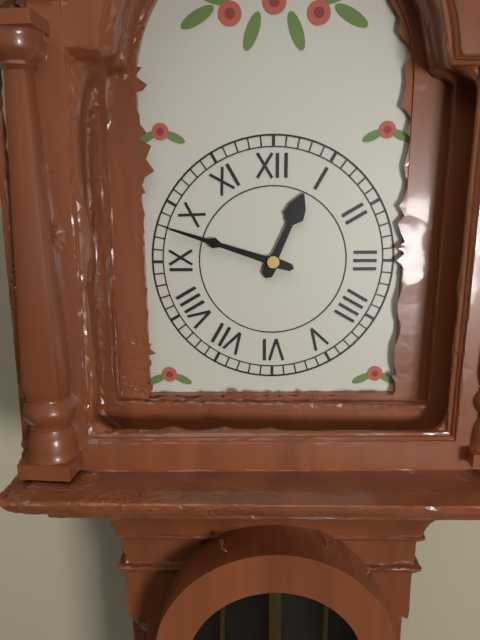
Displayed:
12:48
